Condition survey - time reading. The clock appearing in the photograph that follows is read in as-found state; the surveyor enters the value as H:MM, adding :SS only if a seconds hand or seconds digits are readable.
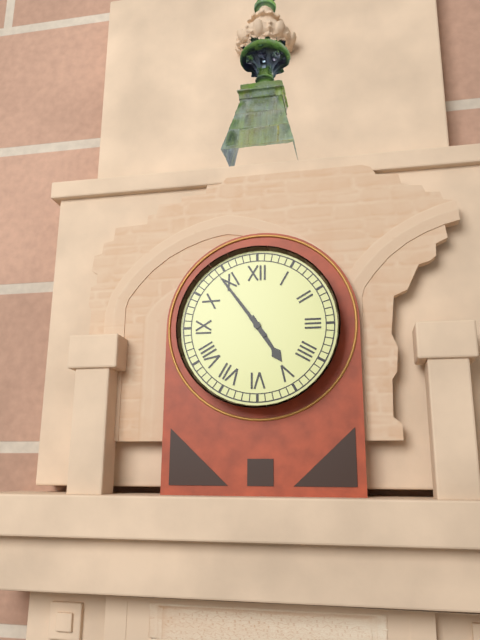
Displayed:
4:54
